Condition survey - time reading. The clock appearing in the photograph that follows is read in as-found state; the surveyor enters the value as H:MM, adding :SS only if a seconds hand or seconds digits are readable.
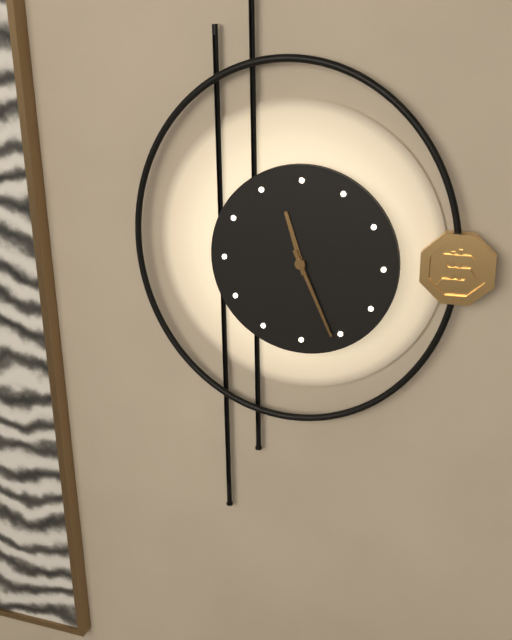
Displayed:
11:26
